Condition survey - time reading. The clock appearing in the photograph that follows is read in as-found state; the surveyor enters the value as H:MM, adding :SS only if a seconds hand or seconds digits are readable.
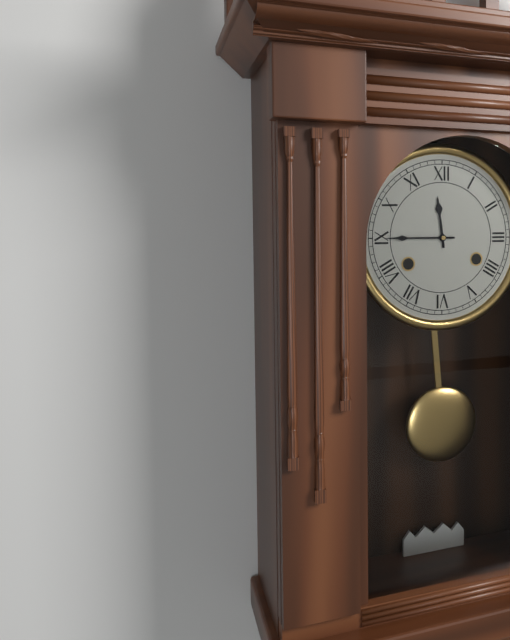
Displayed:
11:45
